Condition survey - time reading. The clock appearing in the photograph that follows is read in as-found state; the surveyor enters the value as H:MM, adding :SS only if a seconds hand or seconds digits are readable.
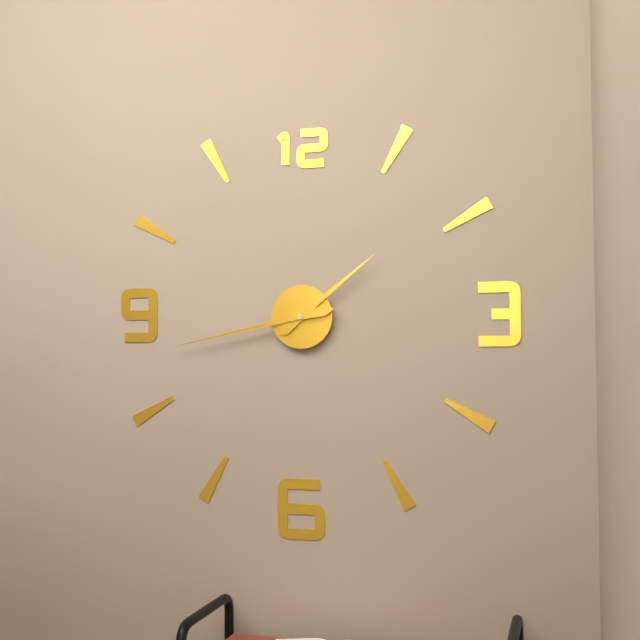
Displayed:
1:43
